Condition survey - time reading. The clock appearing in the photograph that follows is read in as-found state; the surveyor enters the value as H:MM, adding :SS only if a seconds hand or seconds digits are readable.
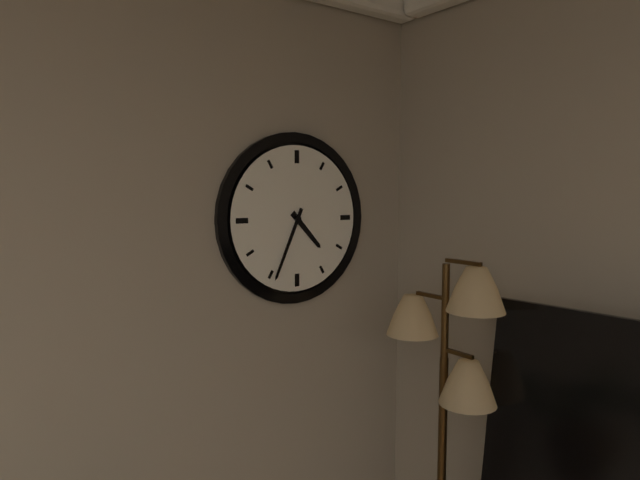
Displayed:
4:34
